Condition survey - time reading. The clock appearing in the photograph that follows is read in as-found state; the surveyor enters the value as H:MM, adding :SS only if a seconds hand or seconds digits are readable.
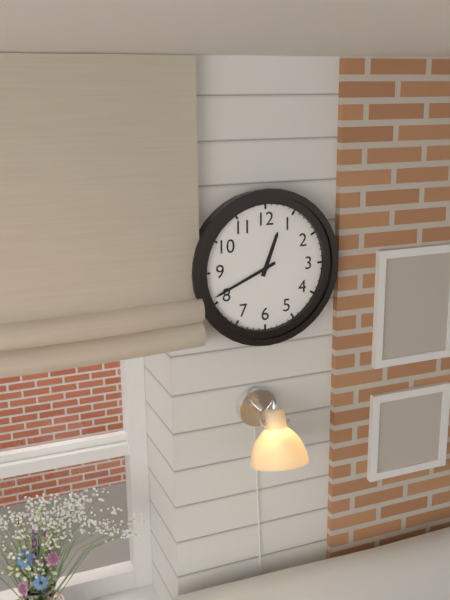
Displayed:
12:41
